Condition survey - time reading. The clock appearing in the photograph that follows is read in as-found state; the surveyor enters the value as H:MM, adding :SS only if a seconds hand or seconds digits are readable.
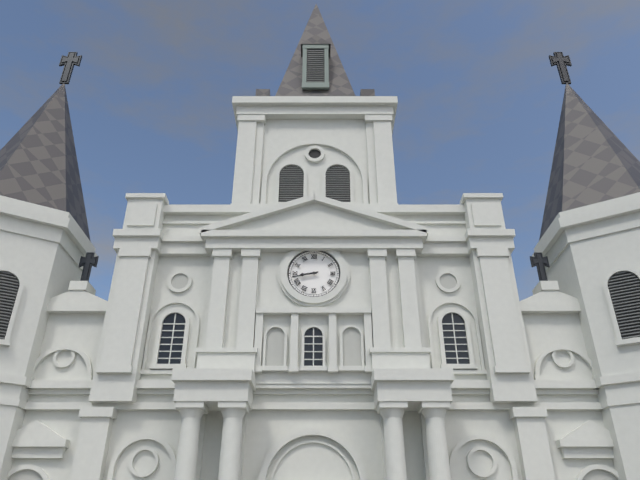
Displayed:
8:43
